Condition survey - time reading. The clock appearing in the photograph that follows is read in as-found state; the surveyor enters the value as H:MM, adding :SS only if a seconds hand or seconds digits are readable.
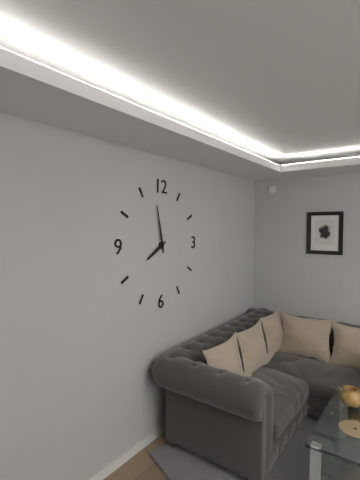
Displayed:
7:58
